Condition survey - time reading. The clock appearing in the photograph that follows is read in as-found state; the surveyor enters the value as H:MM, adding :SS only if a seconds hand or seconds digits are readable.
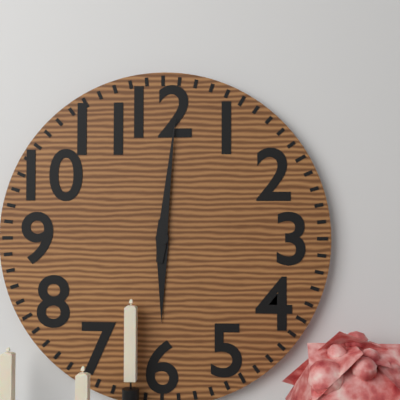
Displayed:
6:01
